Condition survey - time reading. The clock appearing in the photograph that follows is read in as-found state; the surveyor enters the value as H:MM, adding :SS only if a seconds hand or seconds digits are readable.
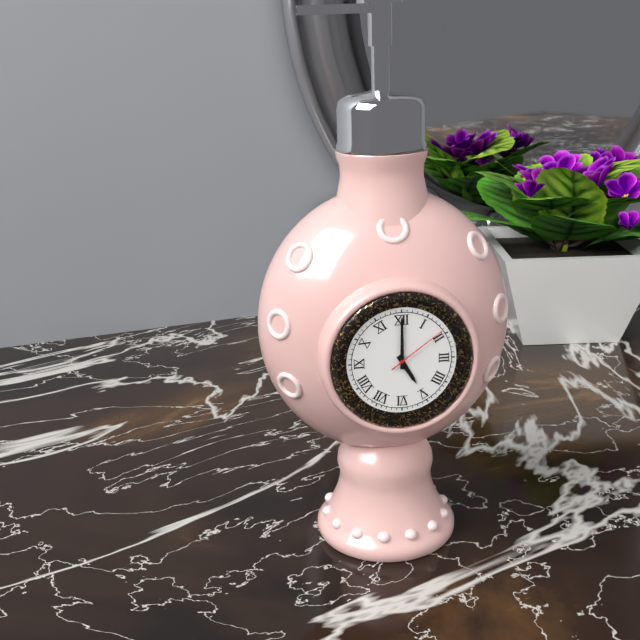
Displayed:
5:00:09
